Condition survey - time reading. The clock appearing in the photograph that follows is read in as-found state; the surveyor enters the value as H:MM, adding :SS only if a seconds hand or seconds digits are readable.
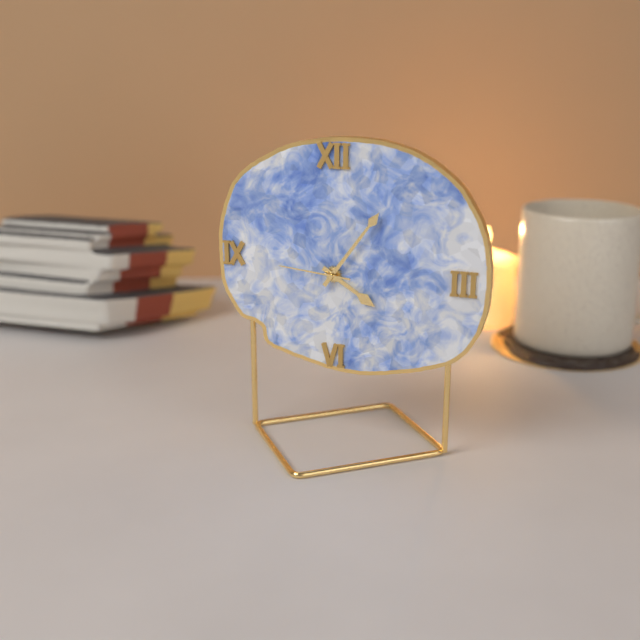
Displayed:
4:06:46
